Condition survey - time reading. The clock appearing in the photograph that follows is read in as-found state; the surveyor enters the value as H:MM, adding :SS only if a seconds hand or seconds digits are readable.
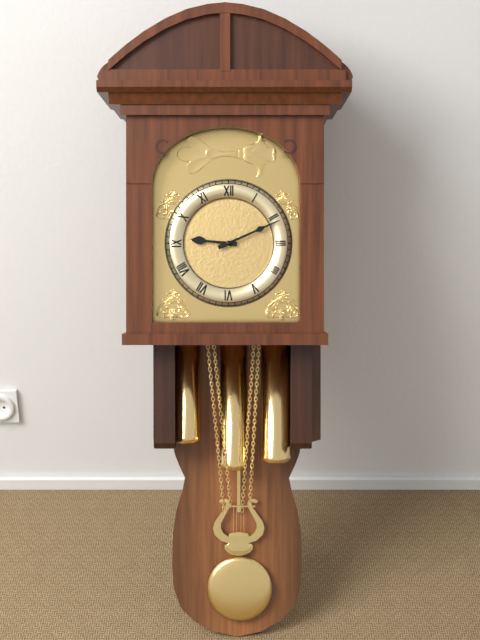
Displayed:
9:11
